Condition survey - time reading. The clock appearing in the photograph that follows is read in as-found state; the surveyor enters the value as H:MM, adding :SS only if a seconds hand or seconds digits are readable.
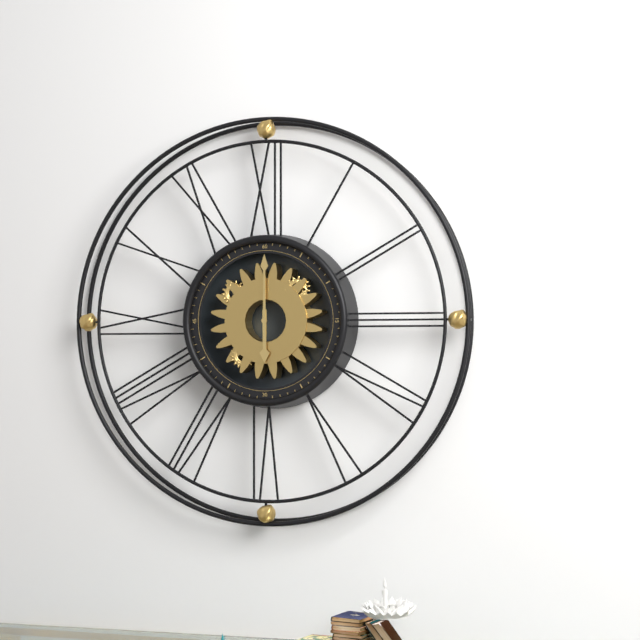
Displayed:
6:00
